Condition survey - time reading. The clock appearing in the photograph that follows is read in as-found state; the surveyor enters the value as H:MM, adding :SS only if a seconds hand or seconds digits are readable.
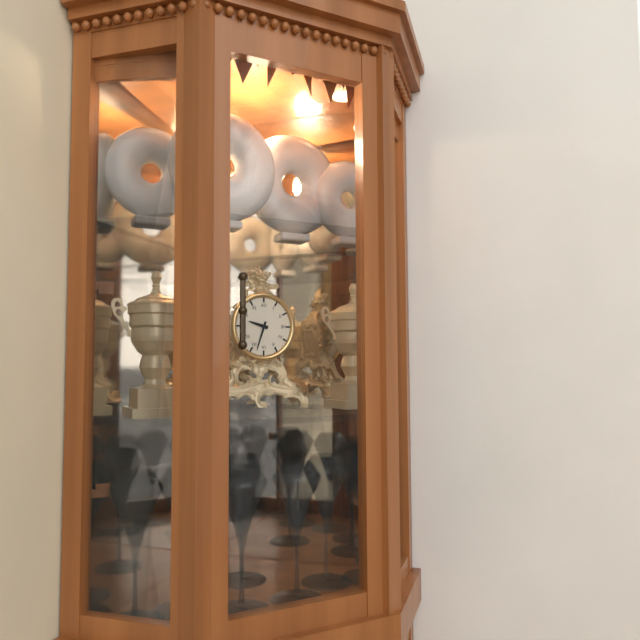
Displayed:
9:33
